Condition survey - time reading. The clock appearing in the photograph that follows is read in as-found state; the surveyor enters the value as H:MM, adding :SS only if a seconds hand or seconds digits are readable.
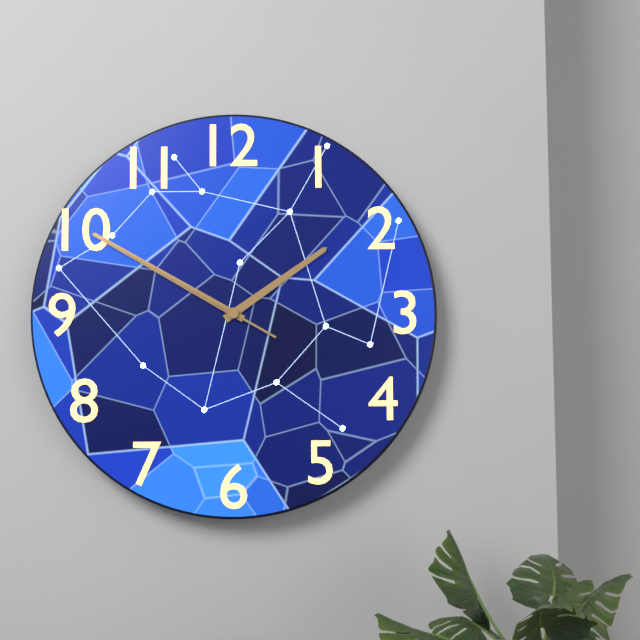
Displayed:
1:50:50
